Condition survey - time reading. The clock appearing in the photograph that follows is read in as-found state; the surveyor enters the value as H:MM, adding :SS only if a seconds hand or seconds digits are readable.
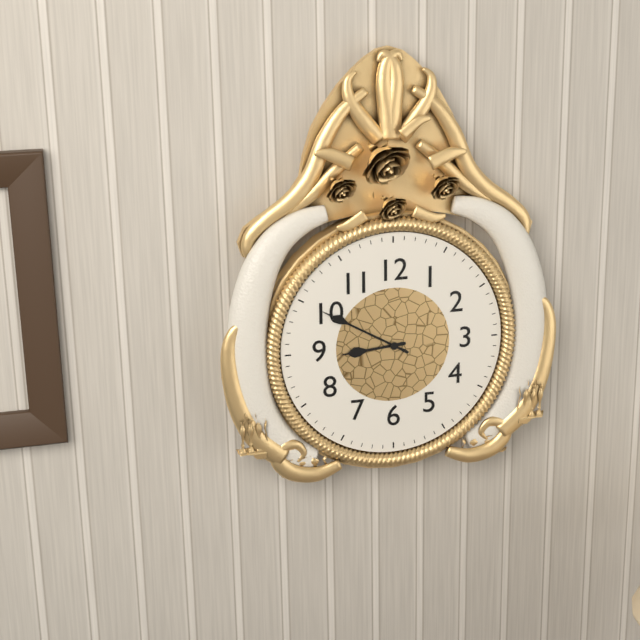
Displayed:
8:50
